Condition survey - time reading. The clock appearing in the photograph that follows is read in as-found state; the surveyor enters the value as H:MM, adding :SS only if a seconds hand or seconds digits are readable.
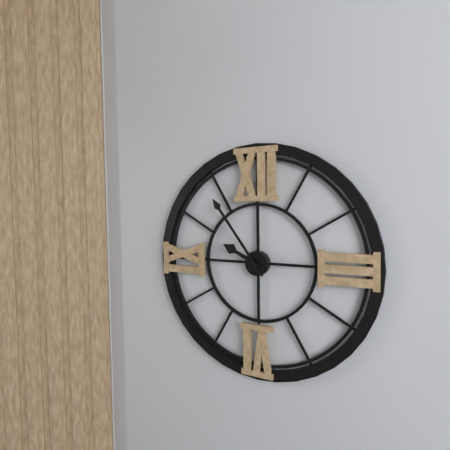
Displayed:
9:54
